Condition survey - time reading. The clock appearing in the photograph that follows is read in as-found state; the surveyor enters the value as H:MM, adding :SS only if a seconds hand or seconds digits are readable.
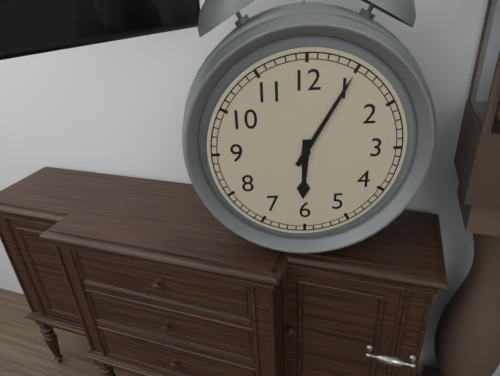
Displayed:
6:05
